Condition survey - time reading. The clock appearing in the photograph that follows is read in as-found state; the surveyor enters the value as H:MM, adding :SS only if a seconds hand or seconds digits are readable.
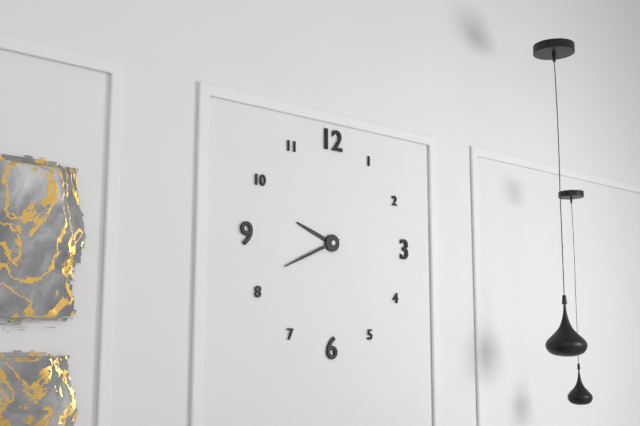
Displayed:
9:41
